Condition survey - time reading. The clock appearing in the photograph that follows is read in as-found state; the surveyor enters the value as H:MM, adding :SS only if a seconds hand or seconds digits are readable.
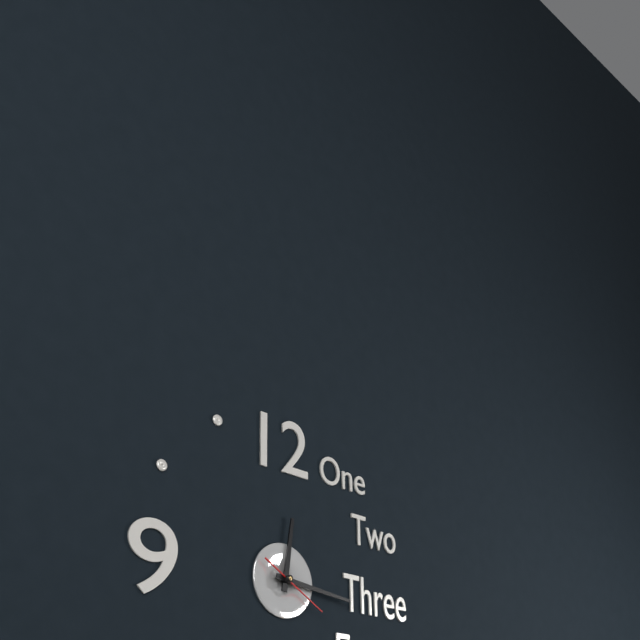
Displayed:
12:16:20
